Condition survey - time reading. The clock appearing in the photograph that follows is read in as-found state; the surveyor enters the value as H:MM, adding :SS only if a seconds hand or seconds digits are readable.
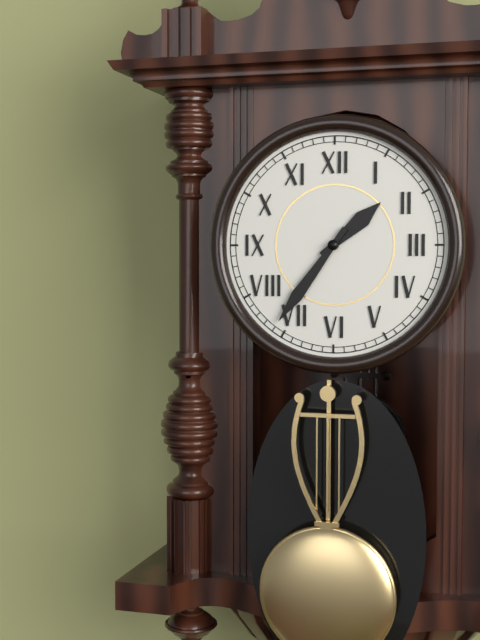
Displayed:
1:36
